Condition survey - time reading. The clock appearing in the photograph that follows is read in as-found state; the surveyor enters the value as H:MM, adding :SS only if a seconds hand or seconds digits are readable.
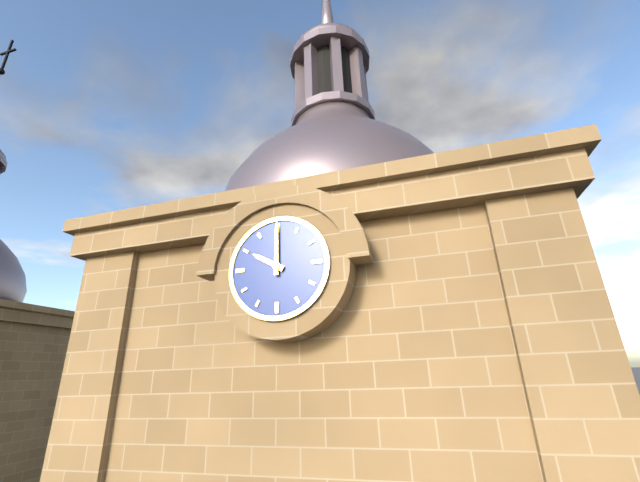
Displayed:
10:00
